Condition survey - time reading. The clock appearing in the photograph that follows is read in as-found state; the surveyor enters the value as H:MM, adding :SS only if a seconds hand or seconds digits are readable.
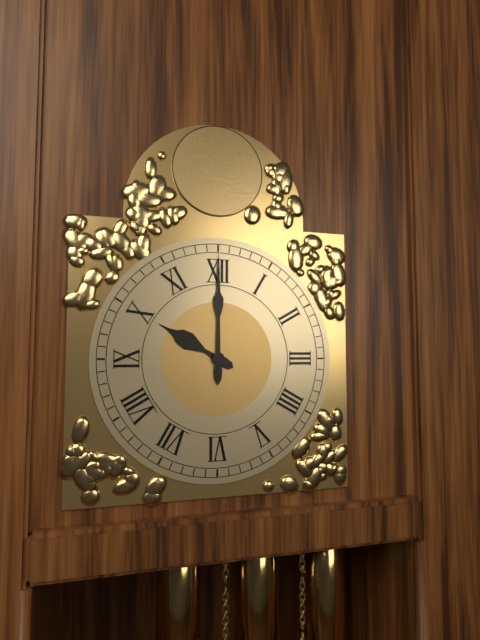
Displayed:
10:00
